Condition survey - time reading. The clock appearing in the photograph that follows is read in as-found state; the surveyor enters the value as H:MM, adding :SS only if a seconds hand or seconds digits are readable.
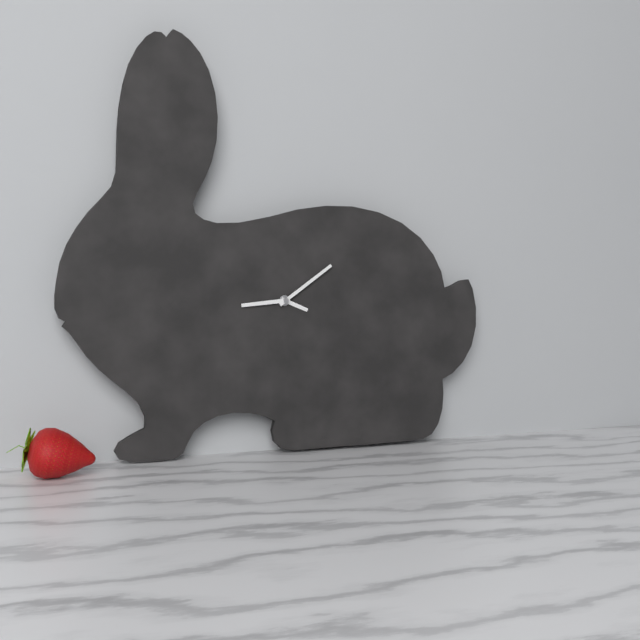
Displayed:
3:44:09
